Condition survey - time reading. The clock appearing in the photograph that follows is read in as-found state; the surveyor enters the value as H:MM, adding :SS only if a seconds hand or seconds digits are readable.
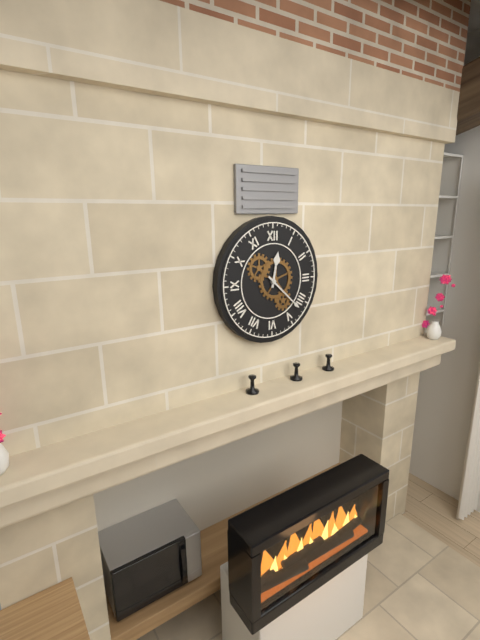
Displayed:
12:22
